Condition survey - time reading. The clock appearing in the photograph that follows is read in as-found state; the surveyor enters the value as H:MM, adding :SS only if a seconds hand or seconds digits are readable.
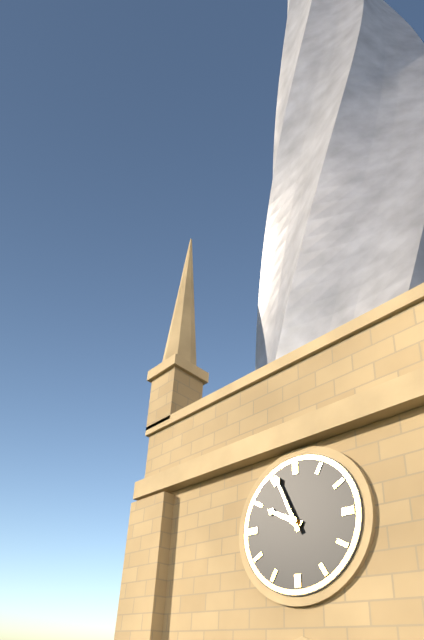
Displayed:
9:56
